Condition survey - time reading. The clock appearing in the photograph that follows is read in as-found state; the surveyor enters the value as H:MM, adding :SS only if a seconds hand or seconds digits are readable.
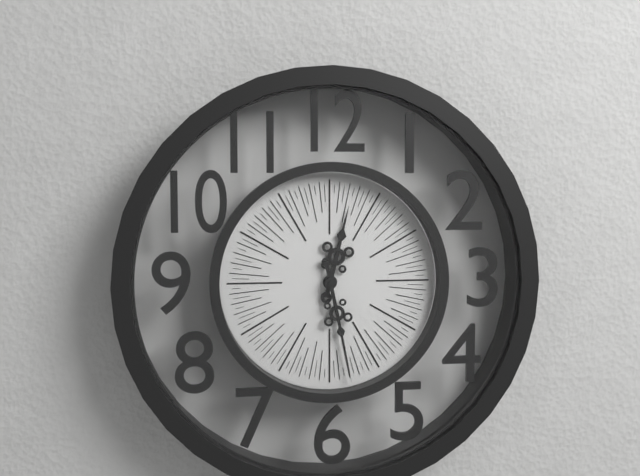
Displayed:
12:28
